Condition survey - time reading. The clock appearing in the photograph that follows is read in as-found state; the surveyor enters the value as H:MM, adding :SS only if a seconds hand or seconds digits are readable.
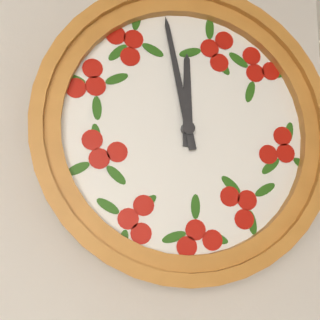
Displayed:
11:58
